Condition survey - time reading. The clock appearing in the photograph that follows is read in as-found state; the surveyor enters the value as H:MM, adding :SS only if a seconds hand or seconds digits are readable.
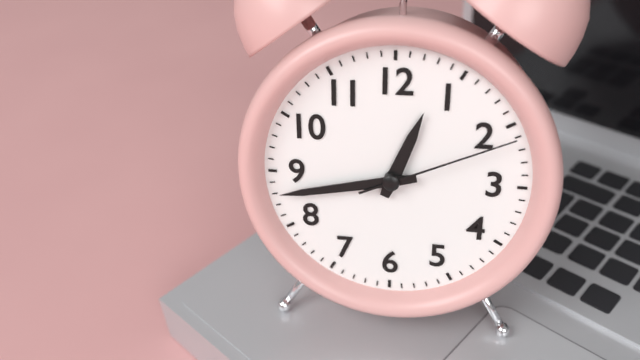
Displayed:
12:43:11
